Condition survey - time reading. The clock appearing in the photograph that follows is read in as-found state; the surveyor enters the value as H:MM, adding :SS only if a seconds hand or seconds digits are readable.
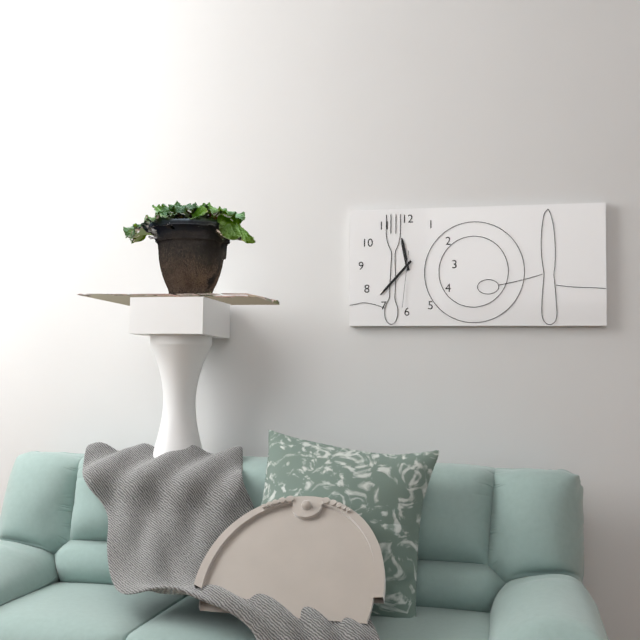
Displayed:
11:37:31
